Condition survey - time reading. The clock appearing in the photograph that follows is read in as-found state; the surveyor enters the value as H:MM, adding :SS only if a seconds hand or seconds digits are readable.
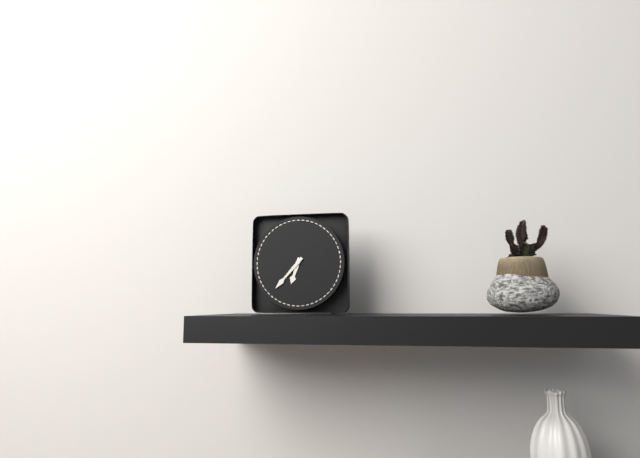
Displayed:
6:37
